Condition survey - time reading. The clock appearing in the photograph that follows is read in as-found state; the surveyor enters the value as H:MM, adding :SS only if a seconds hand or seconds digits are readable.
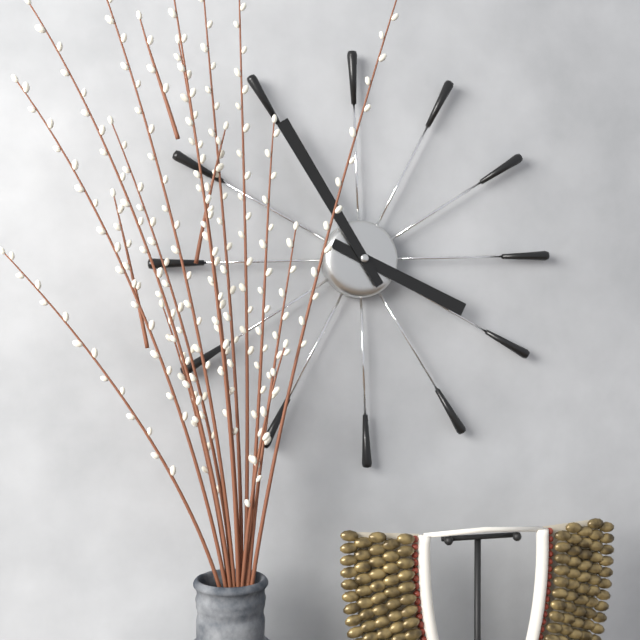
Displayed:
3:55
